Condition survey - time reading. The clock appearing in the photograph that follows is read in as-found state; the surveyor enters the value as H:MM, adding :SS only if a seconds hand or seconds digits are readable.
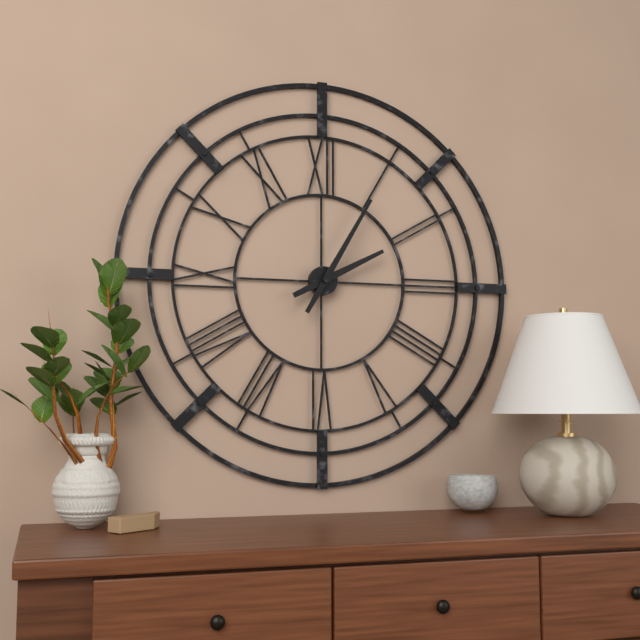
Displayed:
2:05
